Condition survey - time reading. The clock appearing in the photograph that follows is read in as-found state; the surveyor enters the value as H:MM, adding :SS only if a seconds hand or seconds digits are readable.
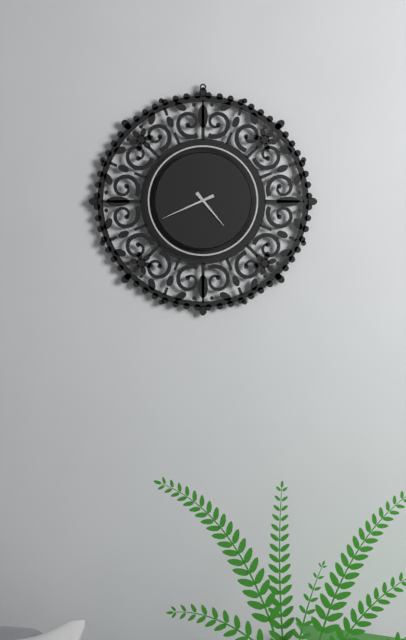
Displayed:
4:41
